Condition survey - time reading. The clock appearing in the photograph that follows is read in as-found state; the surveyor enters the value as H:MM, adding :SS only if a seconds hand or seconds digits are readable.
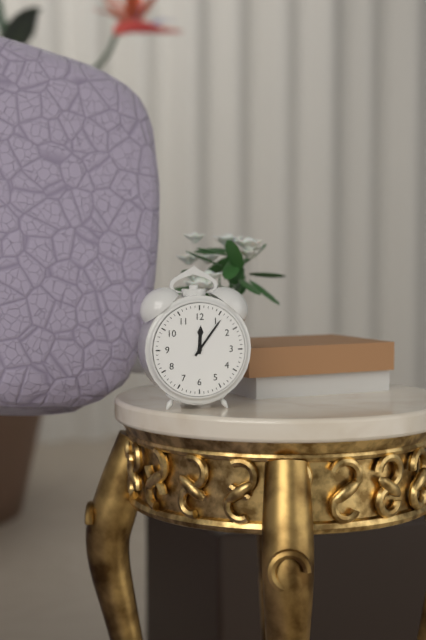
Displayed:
12:06
